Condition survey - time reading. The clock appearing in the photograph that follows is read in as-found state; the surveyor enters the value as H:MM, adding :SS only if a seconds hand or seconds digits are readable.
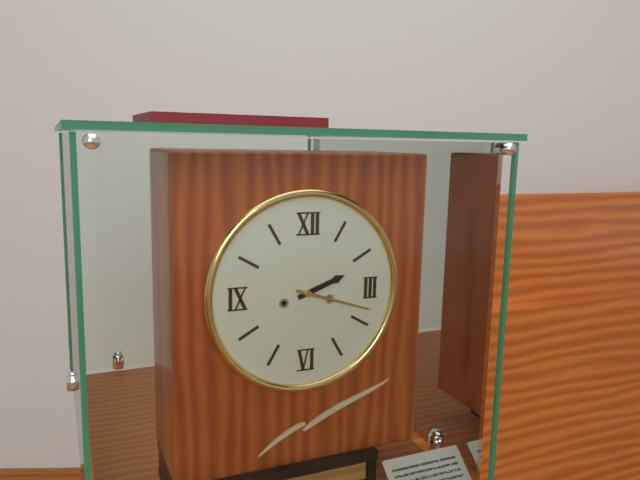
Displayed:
2:18
